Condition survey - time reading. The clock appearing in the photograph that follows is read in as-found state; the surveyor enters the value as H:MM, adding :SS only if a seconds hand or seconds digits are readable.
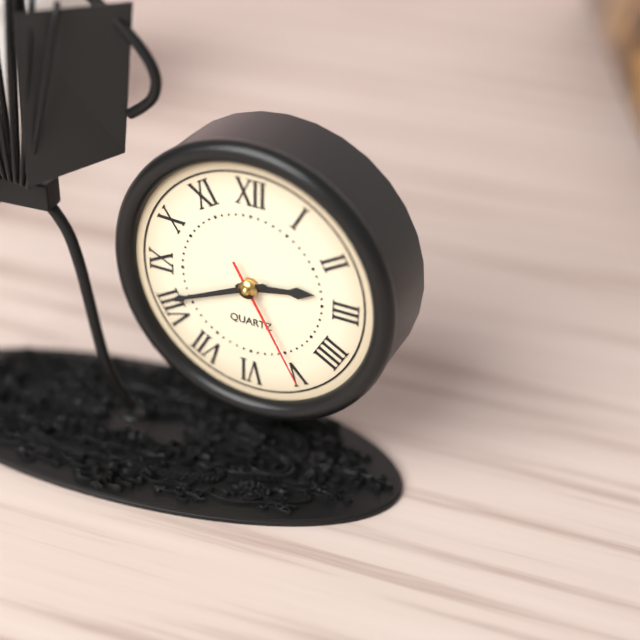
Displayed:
2:41:25
